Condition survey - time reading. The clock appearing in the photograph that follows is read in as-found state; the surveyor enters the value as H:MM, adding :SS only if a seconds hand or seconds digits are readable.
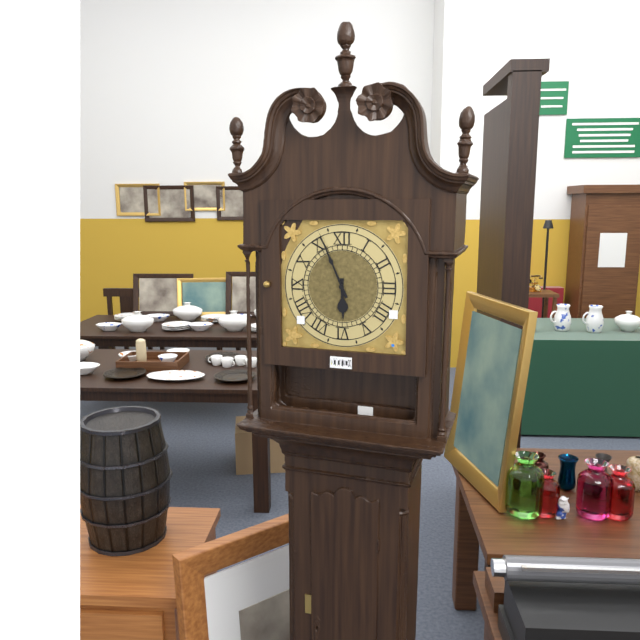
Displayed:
5:56
